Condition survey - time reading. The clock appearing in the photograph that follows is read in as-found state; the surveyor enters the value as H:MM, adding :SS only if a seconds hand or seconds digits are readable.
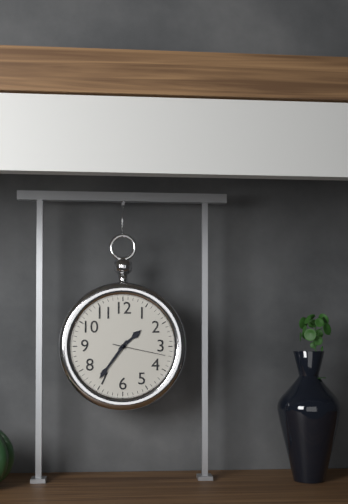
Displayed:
1:36:17
